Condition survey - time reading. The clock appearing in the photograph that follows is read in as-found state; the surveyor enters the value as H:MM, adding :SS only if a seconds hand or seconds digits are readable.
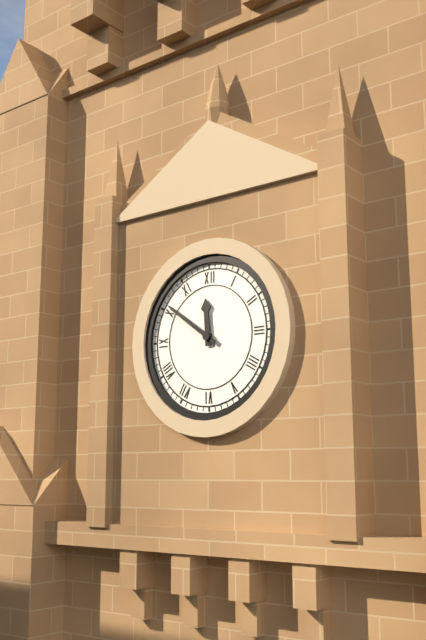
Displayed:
11:51
